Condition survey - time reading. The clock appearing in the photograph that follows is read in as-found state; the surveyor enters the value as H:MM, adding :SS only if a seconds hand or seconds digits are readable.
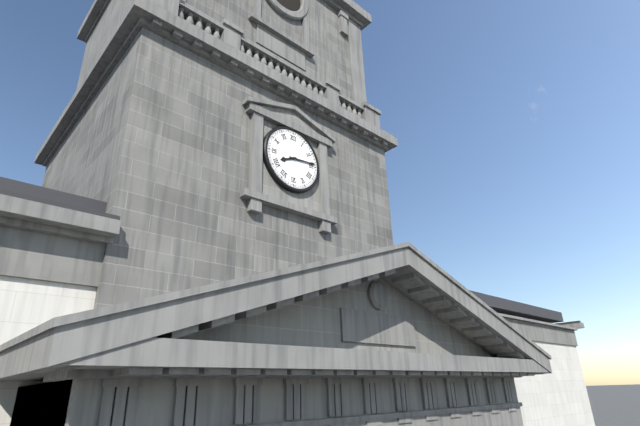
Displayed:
8:14
